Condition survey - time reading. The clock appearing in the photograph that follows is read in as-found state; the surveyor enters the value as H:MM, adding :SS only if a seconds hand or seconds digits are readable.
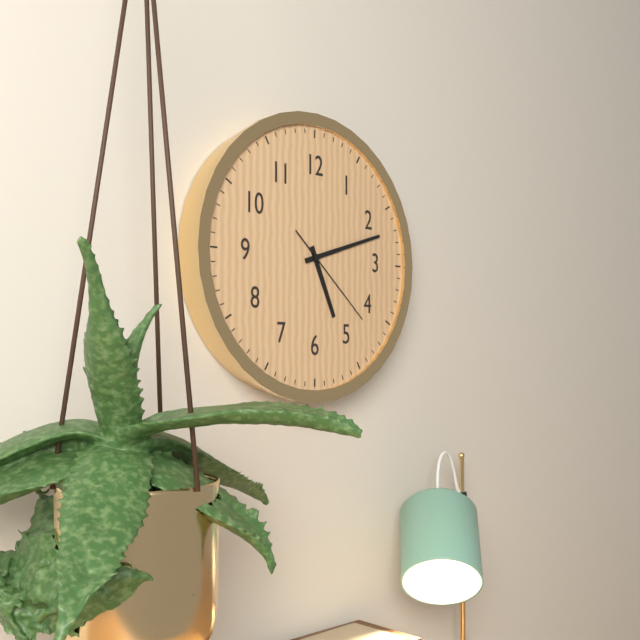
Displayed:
5:12:22
